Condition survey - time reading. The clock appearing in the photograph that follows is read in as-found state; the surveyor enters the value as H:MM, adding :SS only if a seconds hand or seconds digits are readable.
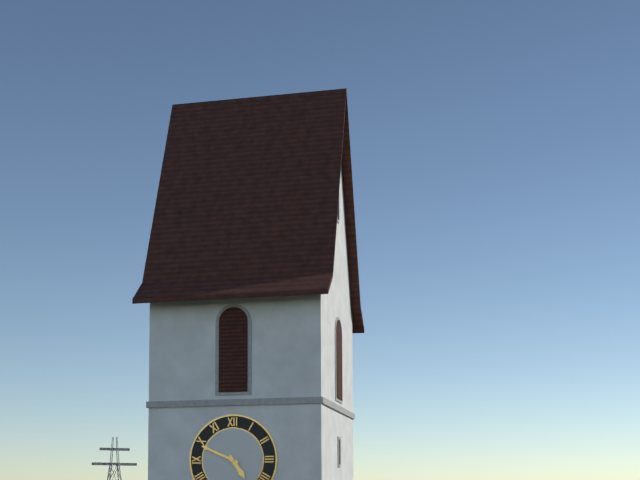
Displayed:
4:49
